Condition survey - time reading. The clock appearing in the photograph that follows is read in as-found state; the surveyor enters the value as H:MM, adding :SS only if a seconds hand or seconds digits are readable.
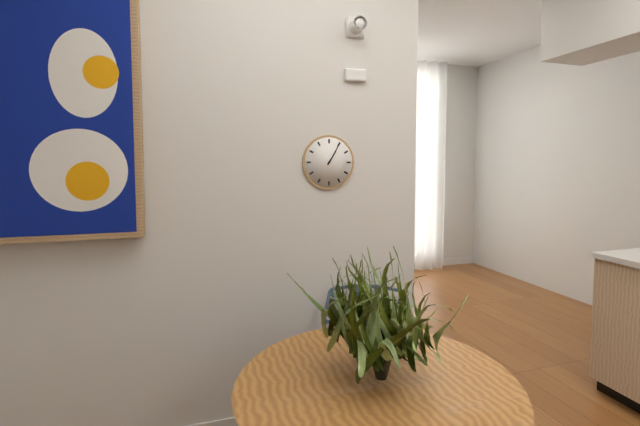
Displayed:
1:05
